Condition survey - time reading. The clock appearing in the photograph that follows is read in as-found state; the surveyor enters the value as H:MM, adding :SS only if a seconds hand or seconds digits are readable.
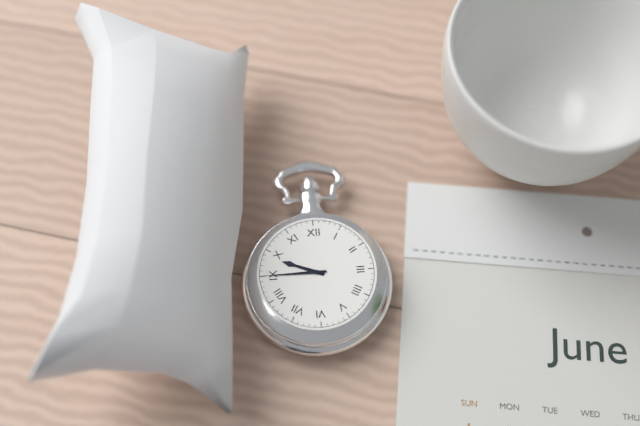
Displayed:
9:45
